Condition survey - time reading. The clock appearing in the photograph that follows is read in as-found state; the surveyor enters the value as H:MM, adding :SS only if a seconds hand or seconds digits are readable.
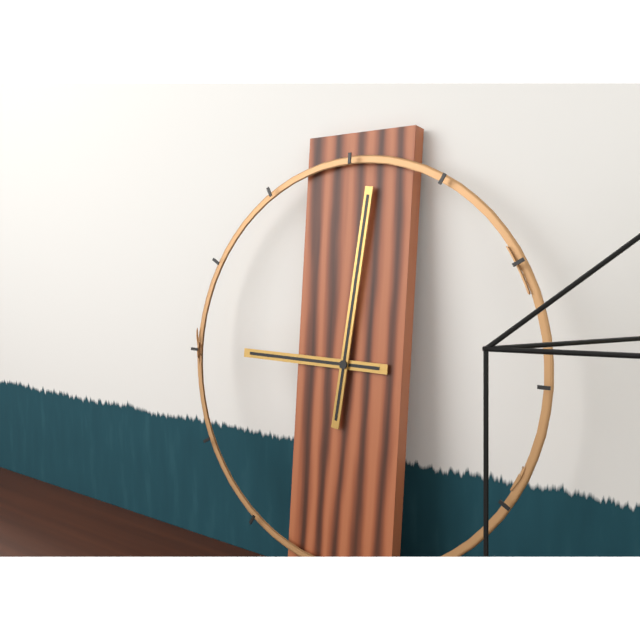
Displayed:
9:01
